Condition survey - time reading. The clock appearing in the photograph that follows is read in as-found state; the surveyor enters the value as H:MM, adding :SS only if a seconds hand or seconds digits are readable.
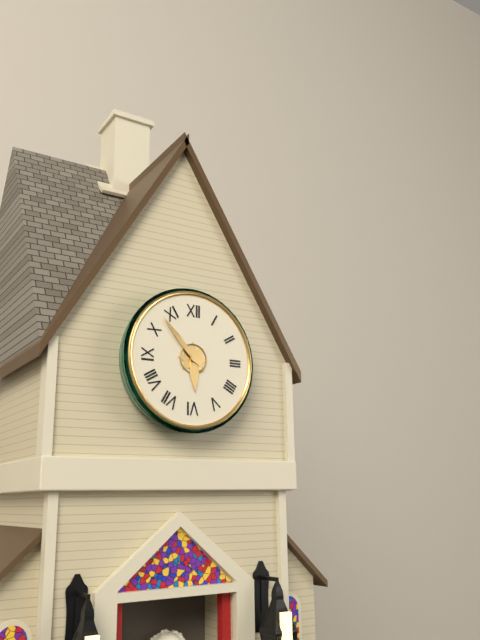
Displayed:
5:53
